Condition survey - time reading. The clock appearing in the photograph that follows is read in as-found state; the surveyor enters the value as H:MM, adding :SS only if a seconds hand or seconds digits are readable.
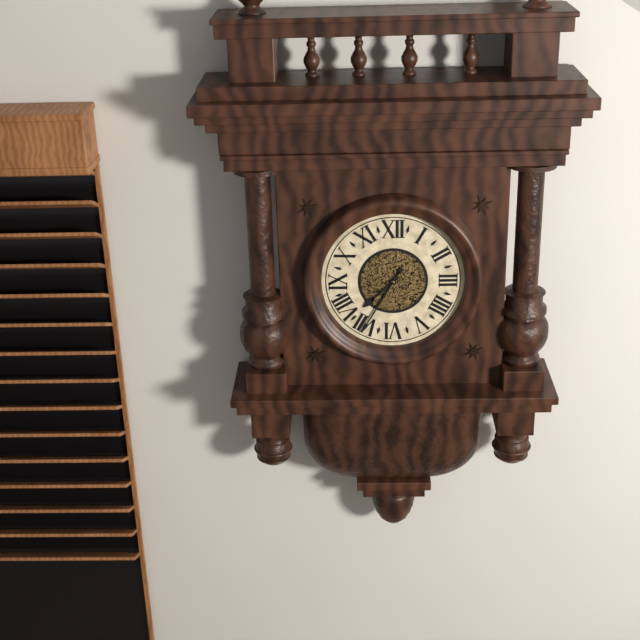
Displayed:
7:35
